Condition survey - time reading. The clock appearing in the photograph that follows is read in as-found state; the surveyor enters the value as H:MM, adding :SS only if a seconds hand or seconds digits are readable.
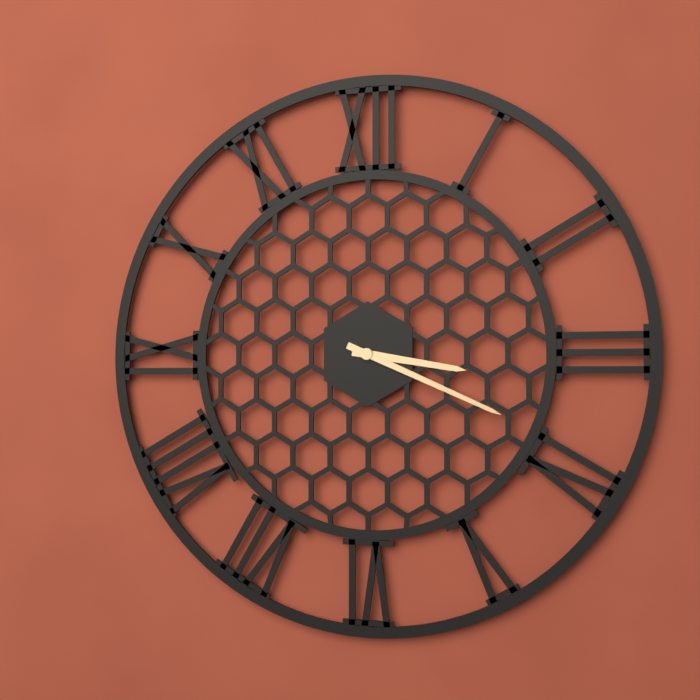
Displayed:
3:19
